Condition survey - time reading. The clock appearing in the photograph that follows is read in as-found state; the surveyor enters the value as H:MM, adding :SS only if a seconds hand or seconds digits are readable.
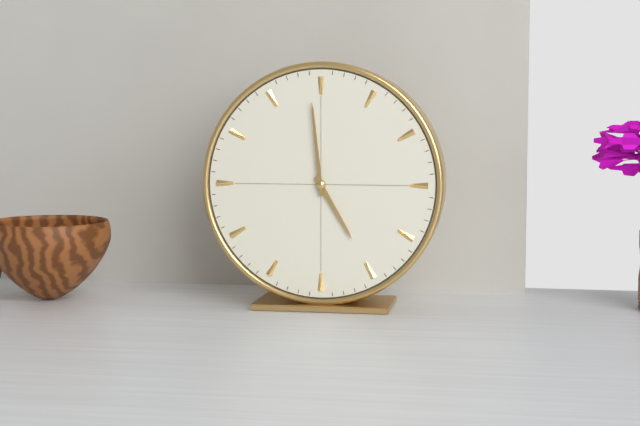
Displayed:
4:59
